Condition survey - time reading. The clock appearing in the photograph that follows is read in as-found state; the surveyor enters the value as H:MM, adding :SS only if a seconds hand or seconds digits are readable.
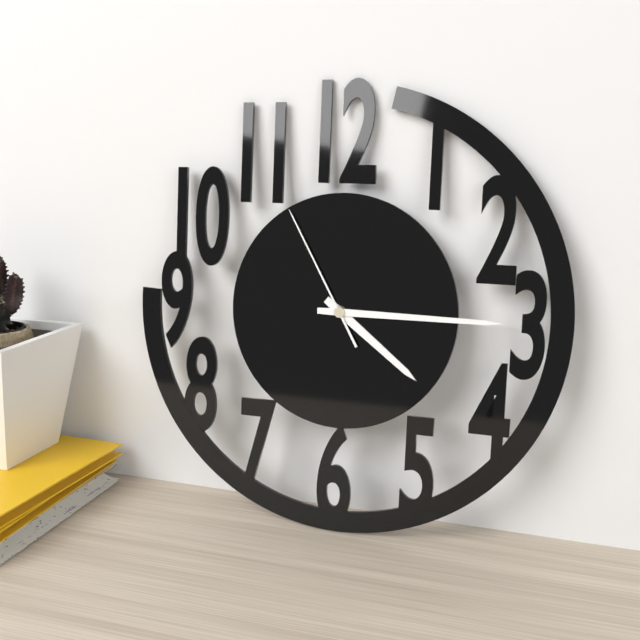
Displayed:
4:15:55
